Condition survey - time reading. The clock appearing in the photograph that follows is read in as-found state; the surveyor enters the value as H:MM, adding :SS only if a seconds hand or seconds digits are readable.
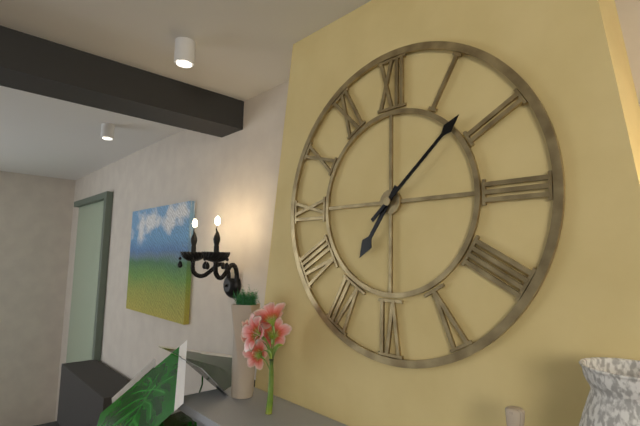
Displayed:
7:08
